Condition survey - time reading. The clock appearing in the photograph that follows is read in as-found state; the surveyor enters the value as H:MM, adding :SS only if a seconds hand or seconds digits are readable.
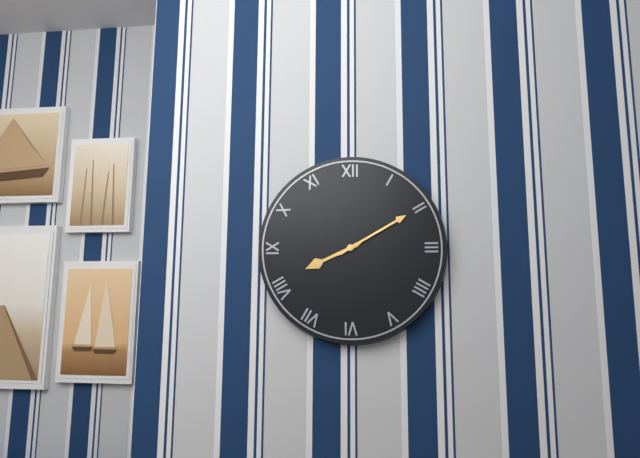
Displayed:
8:10
